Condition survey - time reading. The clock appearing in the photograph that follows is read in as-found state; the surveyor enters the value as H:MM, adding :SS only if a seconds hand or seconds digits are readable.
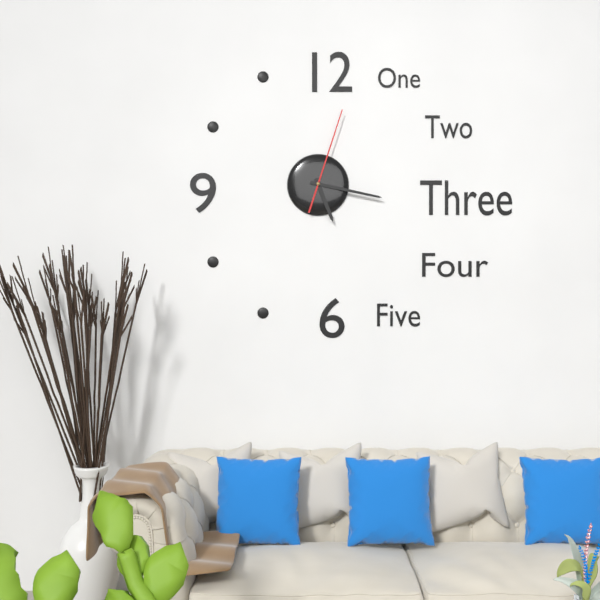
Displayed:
5:17:03
